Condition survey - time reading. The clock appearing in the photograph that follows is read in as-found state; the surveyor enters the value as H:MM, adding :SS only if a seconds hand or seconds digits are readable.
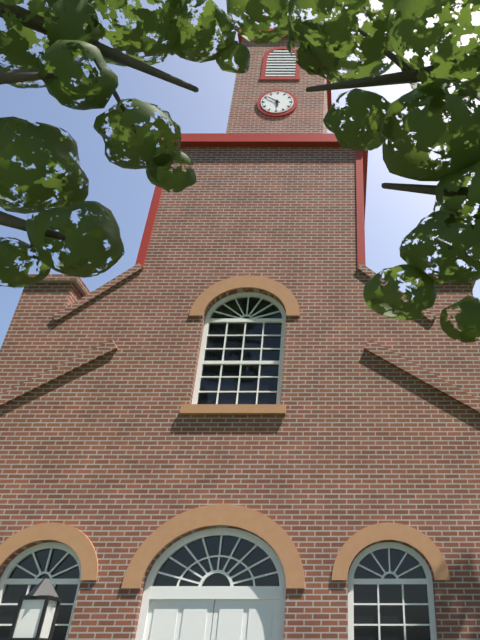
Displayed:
5:51
